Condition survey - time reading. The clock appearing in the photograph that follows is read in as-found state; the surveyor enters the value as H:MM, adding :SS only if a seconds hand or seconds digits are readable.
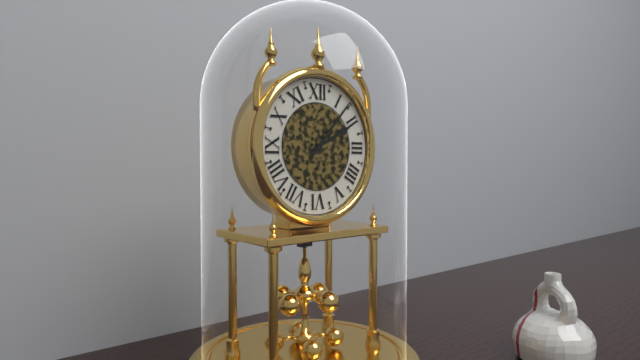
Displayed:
2:07
